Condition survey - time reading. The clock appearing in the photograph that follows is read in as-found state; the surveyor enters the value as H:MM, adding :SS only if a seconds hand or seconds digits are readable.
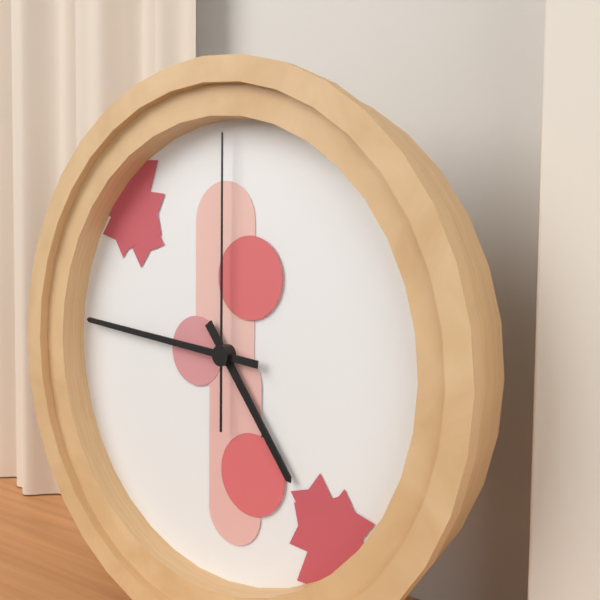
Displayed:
4:46:00
